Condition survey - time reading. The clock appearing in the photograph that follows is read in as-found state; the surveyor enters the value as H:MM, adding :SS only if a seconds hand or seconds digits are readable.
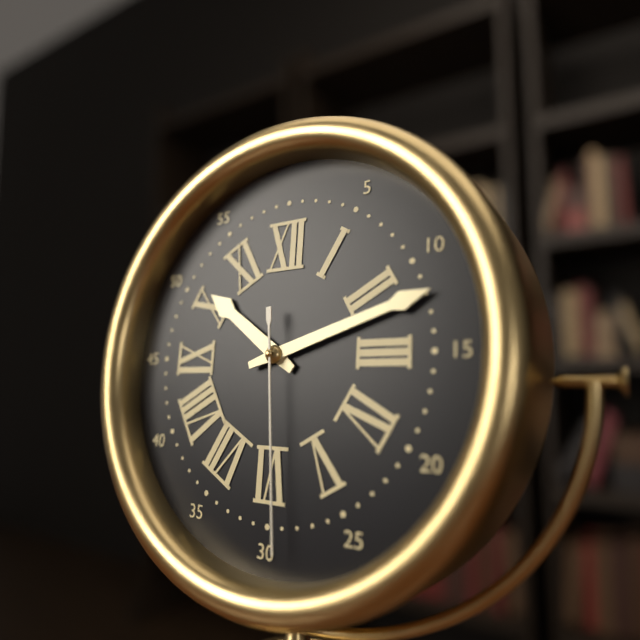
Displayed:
10:12:29
